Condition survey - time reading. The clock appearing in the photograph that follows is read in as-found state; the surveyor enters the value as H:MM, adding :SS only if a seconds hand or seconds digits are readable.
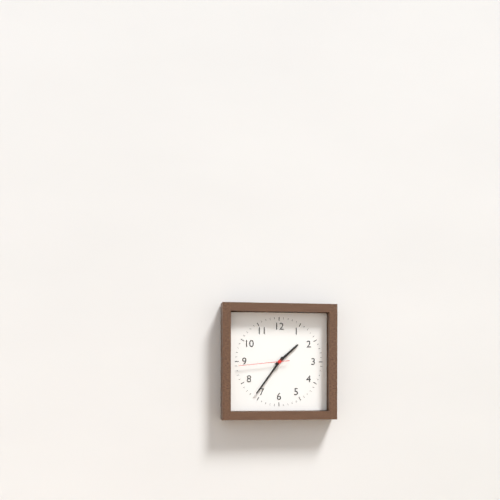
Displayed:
1:36:44
